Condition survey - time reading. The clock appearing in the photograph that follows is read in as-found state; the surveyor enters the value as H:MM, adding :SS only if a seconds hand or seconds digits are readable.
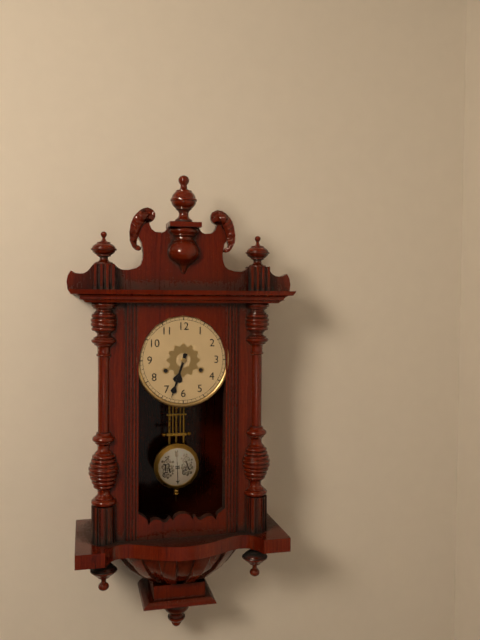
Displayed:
6:33
